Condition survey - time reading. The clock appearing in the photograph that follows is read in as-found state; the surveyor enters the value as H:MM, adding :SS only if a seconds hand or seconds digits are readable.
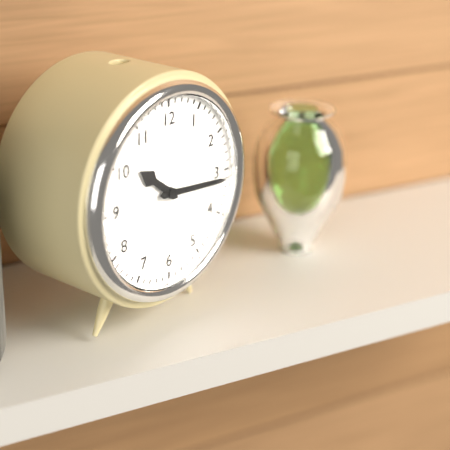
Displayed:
10:16
